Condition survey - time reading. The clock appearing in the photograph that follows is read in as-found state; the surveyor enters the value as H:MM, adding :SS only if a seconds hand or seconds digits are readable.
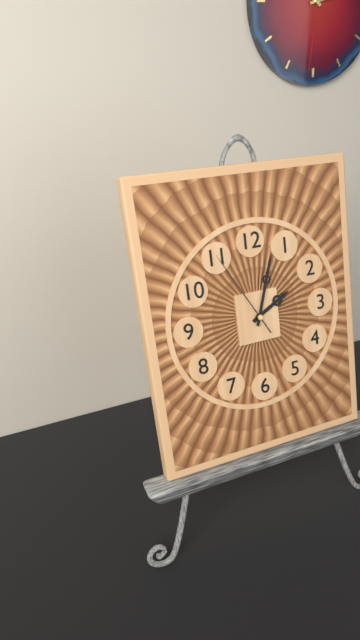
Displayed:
2:03:55
